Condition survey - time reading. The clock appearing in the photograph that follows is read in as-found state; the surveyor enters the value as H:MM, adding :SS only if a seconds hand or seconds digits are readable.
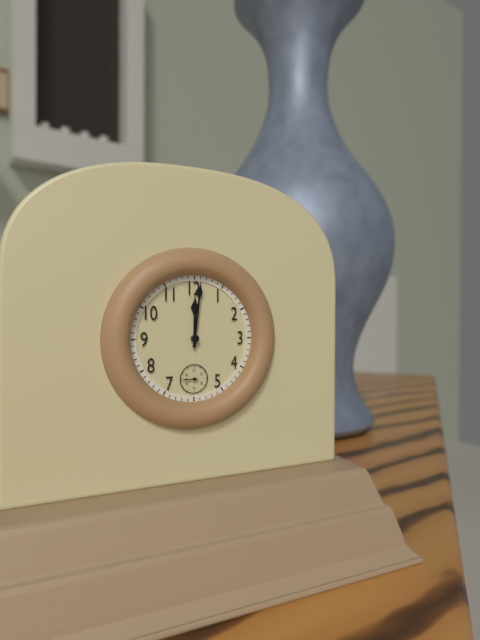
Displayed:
12:01
